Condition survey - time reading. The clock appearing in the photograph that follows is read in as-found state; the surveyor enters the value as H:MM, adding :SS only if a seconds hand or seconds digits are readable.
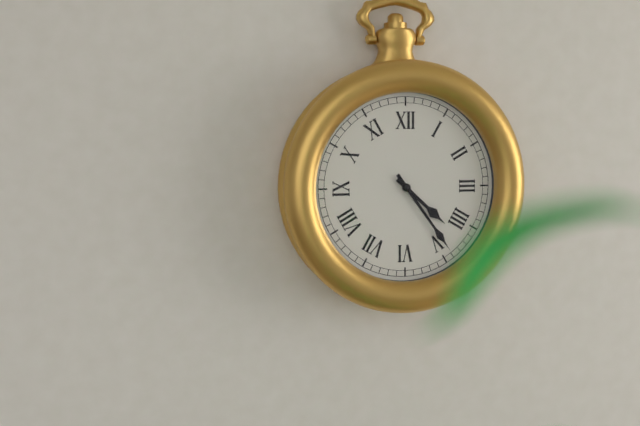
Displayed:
4:24
